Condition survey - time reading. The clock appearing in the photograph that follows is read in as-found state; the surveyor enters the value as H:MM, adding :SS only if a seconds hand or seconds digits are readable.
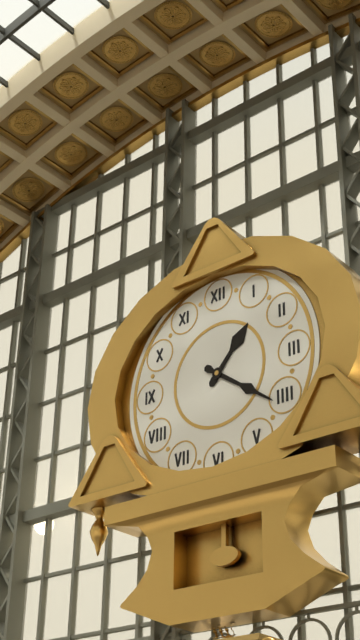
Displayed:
1:21
